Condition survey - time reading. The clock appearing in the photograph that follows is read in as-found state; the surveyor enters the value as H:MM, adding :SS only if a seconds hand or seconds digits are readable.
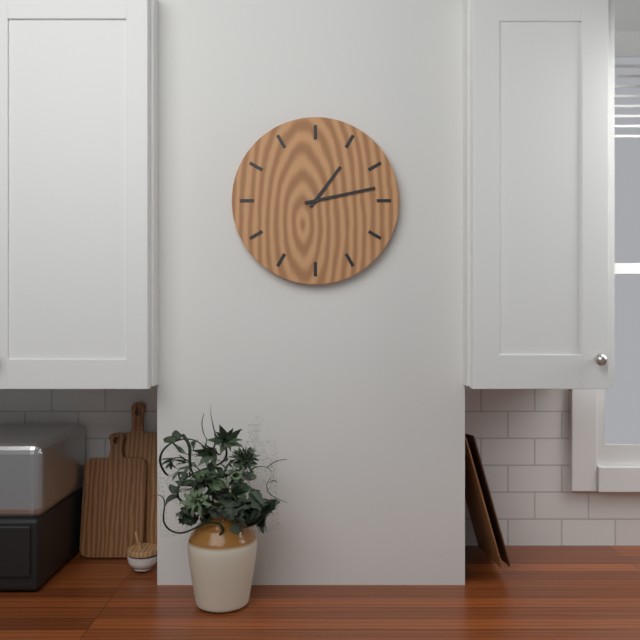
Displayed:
1:13
